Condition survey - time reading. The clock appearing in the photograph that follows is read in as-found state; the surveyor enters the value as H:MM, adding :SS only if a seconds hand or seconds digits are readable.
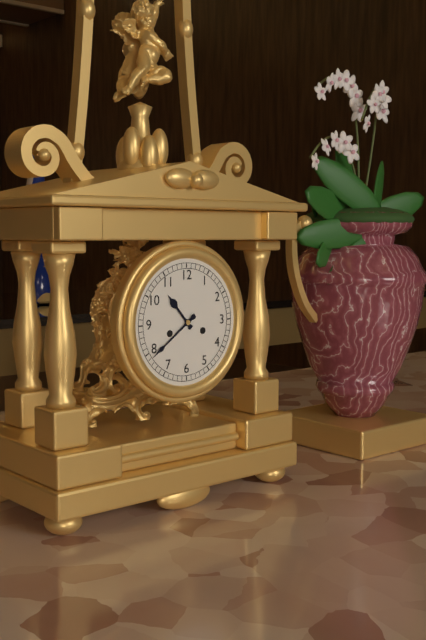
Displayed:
10:39
